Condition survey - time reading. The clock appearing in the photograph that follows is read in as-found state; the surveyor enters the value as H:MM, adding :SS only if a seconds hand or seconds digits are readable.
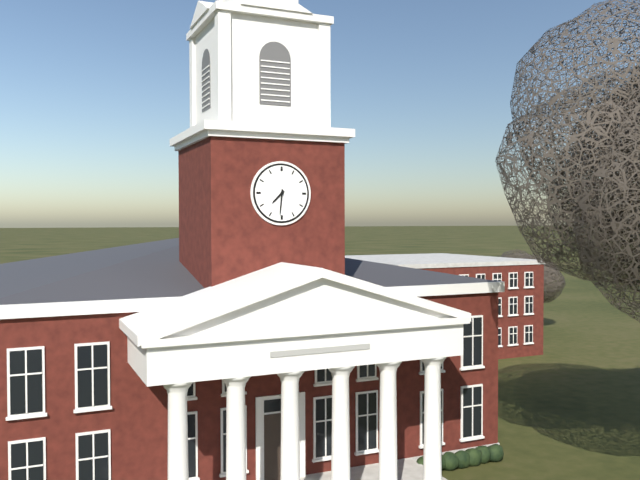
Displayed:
7:31
